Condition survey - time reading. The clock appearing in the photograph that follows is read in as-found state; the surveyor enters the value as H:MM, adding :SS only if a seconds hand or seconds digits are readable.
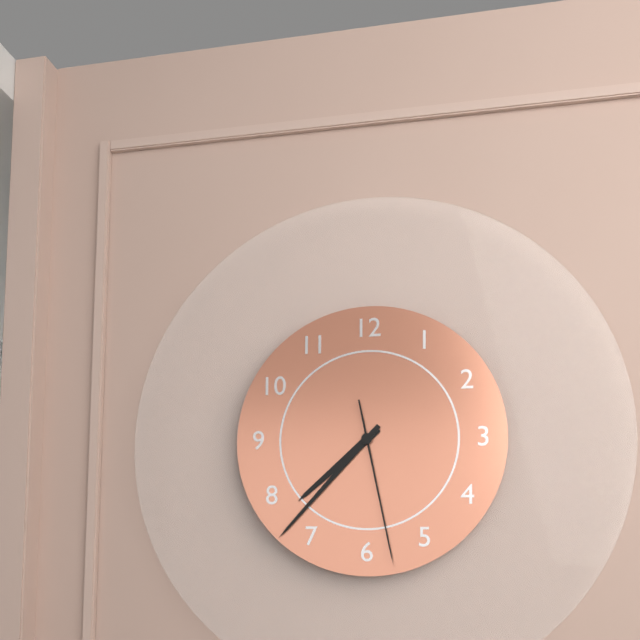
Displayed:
7:37:28
